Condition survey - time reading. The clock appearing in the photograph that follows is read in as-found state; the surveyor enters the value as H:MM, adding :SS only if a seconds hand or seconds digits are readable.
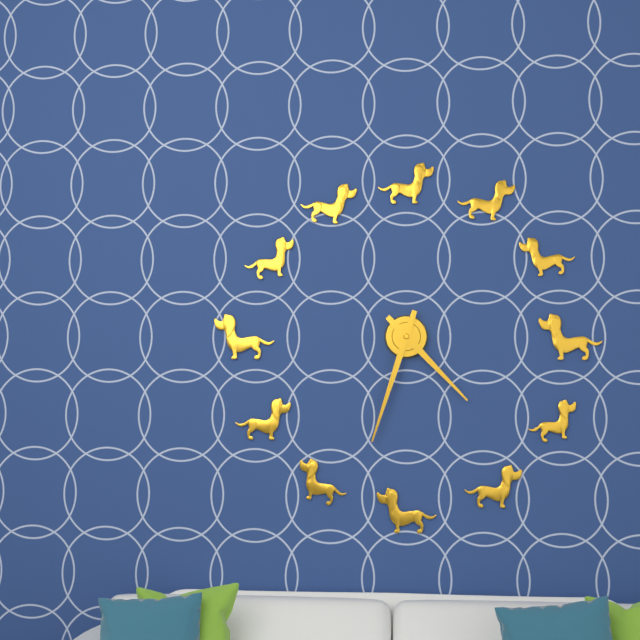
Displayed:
4:33
